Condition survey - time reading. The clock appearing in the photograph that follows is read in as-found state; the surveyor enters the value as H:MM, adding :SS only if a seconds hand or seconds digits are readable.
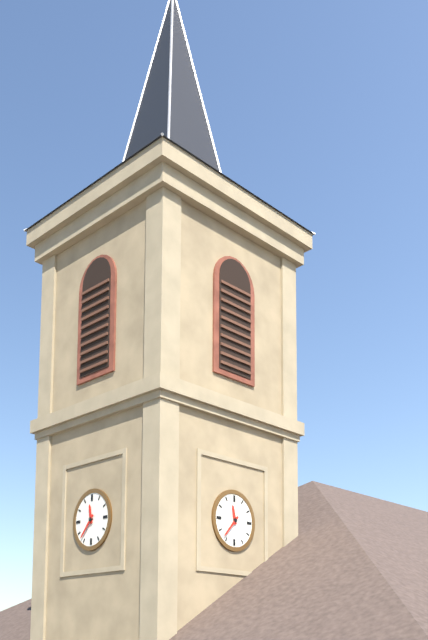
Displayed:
11:37
